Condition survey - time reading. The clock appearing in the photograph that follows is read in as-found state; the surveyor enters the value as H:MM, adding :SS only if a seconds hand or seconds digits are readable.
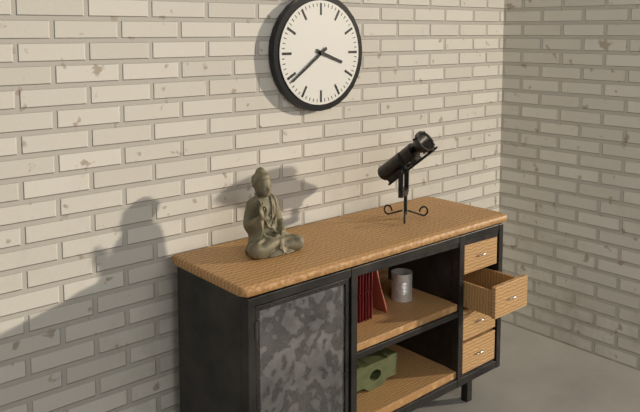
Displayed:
3:39
